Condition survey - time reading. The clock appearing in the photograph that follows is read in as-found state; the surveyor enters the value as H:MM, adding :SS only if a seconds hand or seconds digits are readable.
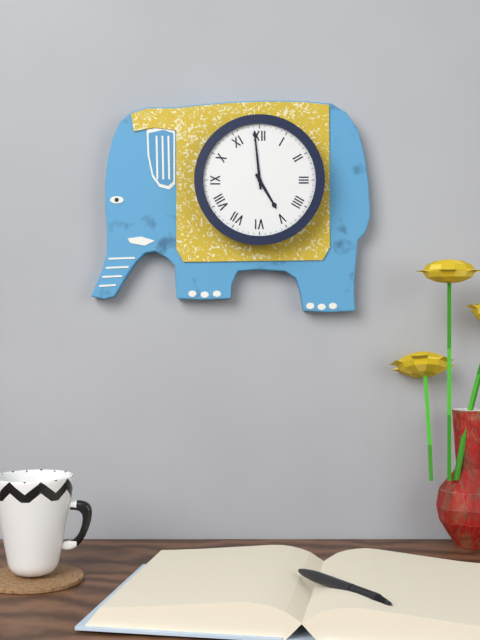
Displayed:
4:59
